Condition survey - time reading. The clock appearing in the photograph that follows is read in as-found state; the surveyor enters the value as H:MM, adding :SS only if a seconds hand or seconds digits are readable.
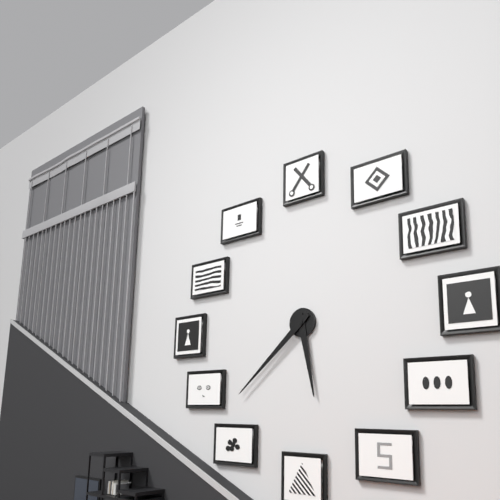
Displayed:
5:38
